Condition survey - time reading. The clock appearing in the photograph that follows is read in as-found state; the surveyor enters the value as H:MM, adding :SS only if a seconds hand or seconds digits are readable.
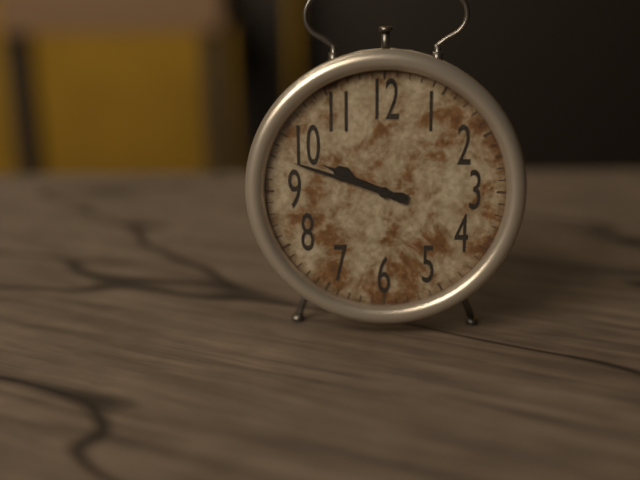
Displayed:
9:48
